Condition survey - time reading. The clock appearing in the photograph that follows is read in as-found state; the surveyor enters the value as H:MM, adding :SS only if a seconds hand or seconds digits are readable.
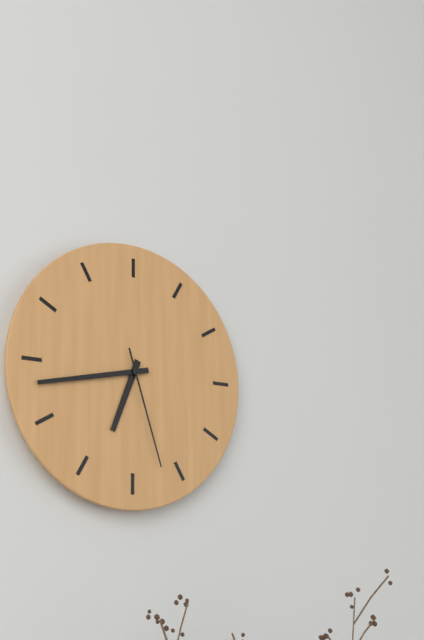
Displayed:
6:43:27
